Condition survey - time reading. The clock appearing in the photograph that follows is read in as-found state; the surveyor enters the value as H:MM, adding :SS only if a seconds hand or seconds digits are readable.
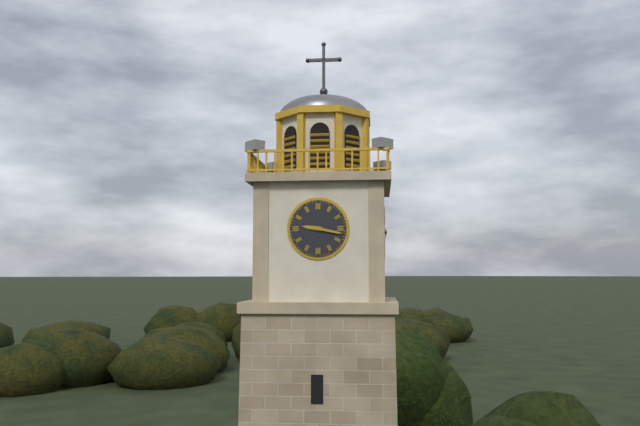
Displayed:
9:17
